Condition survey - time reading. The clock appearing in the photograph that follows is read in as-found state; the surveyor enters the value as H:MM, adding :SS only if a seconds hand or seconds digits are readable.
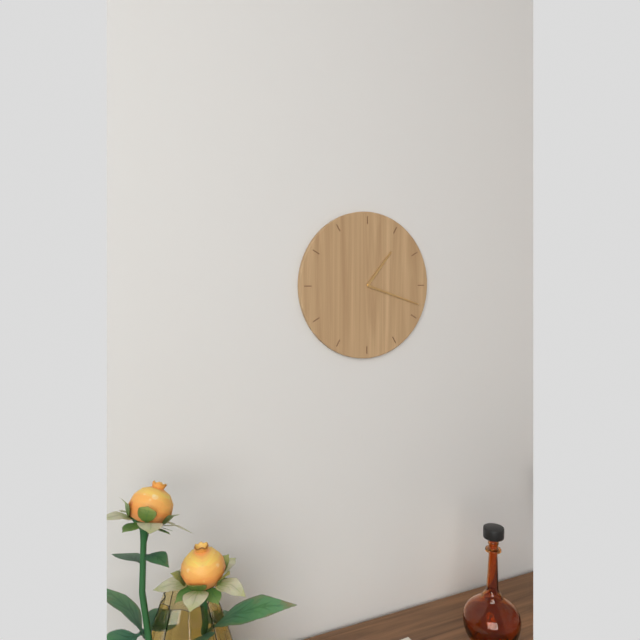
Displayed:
1:18
